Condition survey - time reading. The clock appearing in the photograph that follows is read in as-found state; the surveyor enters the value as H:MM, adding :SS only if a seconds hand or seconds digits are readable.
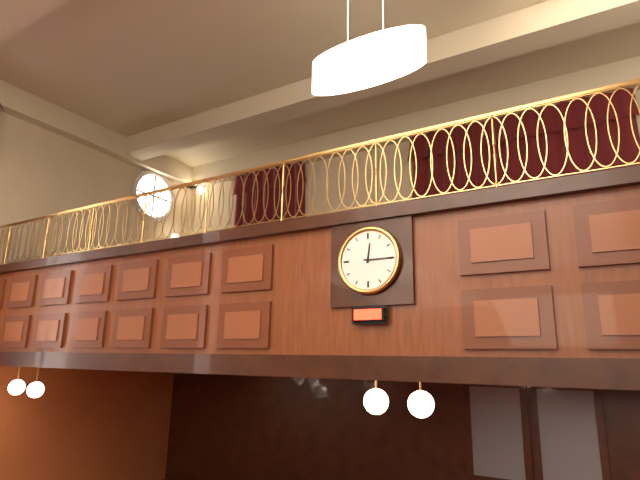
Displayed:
12:15
